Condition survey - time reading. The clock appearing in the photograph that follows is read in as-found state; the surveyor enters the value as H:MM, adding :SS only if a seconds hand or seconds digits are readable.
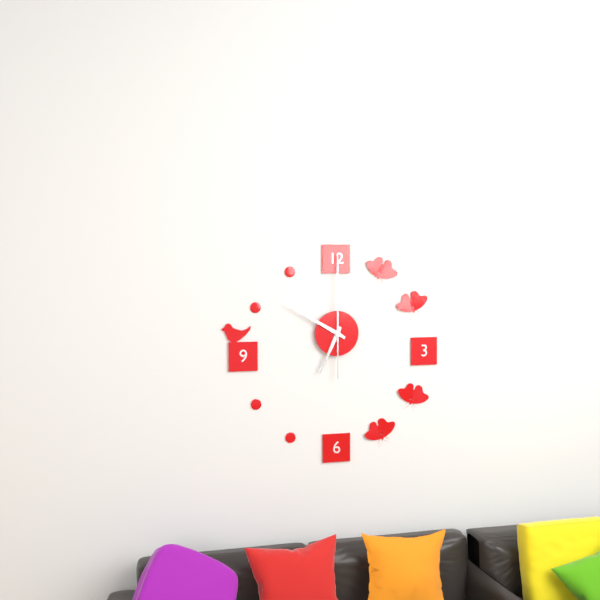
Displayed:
6:50:00
